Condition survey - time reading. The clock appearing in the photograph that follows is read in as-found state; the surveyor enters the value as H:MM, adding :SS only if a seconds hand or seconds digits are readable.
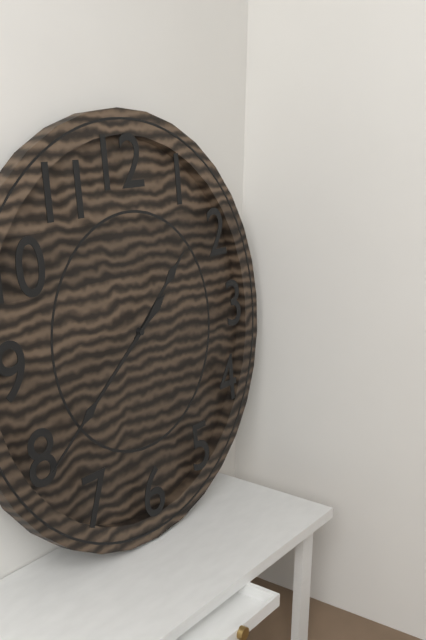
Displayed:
1:39
